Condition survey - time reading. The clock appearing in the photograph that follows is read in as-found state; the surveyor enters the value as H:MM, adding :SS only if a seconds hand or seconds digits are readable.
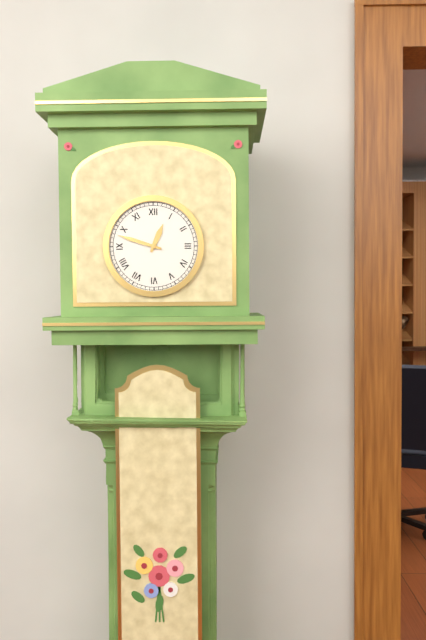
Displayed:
12:48
